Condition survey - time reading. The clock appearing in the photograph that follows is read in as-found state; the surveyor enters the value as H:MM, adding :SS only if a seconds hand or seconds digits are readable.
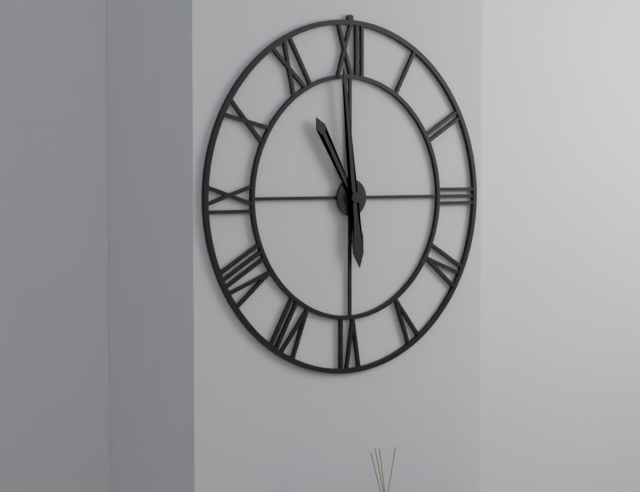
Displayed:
10:59
